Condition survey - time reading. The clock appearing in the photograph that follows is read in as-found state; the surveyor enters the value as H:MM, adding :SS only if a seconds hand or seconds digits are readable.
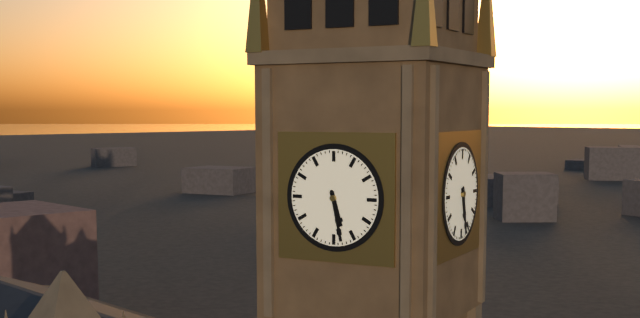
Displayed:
5:28
